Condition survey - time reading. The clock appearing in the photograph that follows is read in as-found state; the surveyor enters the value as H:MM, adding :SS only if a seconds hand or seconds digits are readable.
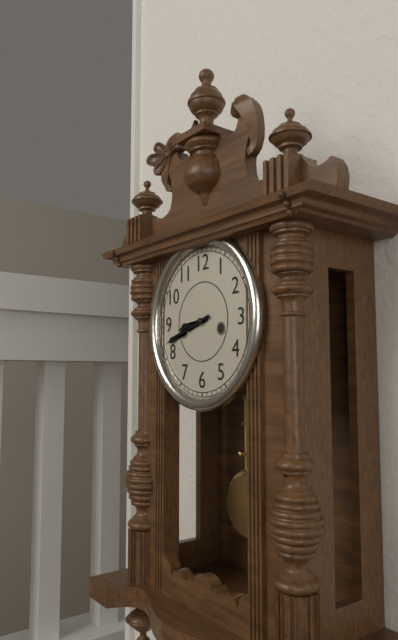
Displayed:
8:42
